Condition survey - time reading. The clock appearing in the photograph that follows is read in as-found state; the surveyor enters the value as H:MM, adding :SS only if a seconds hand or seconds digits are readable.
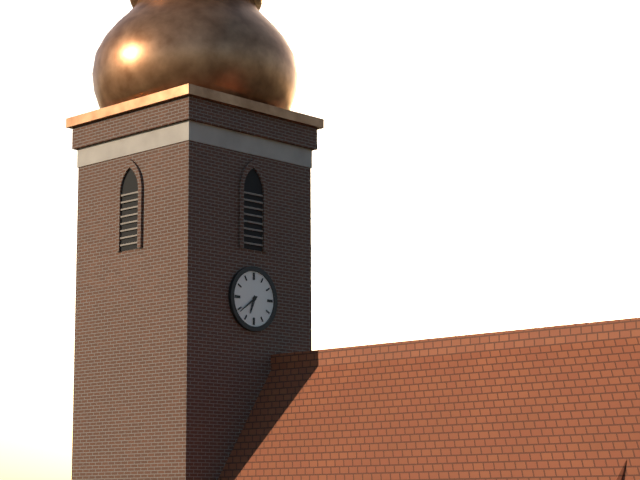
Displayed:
6:39
